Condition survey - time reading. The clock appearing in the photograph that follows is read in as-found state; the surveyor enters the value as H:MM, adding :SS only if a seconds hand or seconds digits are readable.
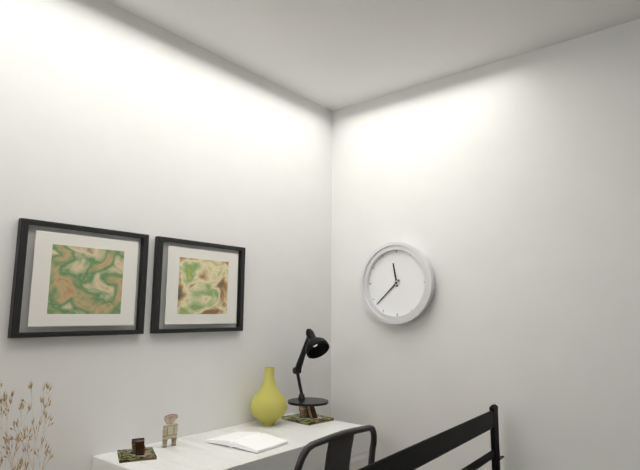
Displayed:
11:38
